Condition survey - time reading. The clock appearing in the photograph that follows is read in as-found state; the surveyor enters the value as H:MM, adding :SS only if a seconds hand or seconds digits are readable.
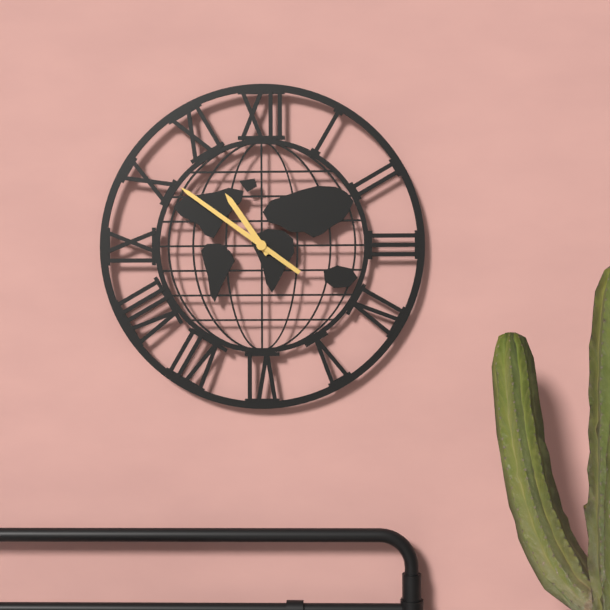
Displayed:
10:51
